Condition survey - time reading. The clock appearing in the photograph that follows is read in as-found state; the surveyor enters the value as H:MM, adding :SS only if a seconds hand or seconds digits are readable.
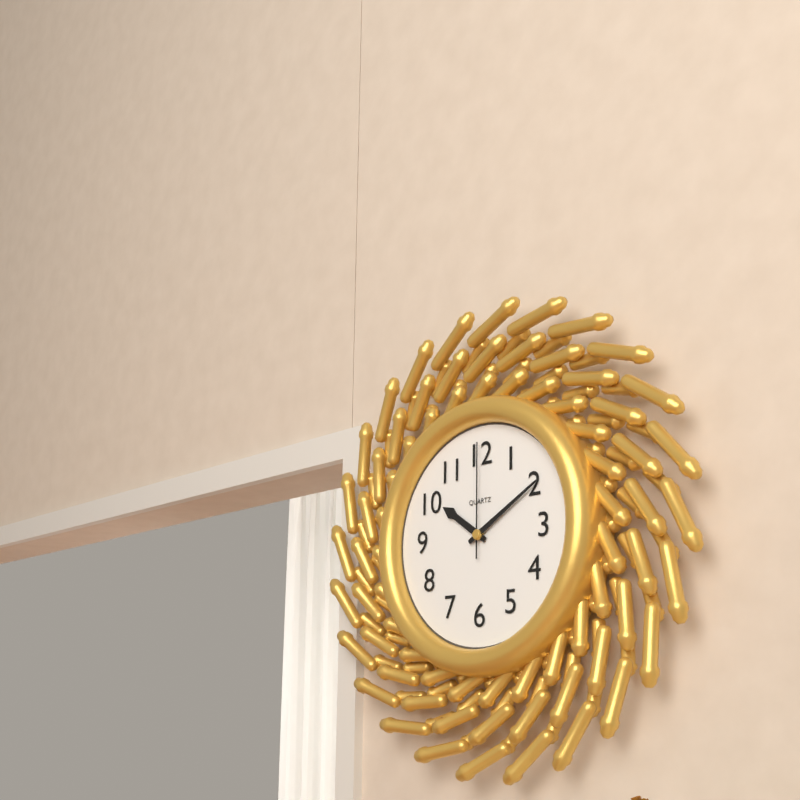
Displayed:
10:10:00
